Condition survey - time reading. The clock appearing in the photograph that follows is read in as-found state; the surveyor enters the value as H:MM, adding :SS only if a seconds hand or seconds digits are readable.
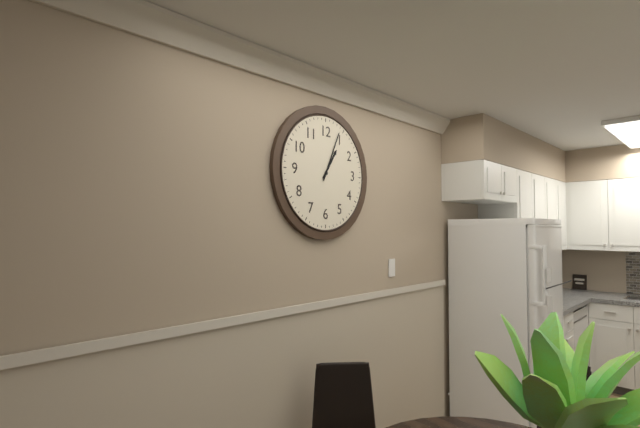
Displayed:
1:04
